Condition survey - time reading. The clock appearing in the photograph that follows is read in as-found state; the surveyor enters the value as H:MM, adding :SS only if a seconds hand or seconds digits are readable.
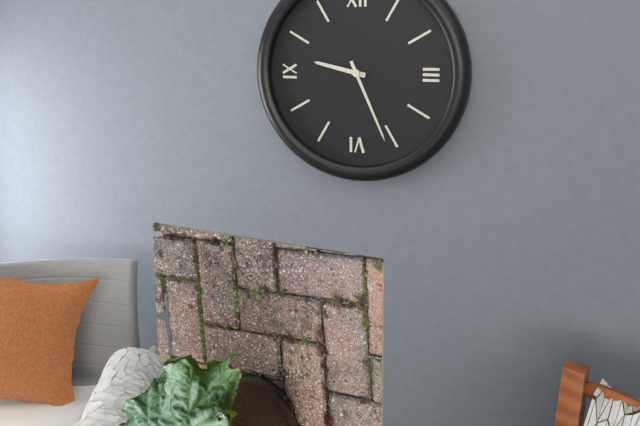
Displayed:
9:26
